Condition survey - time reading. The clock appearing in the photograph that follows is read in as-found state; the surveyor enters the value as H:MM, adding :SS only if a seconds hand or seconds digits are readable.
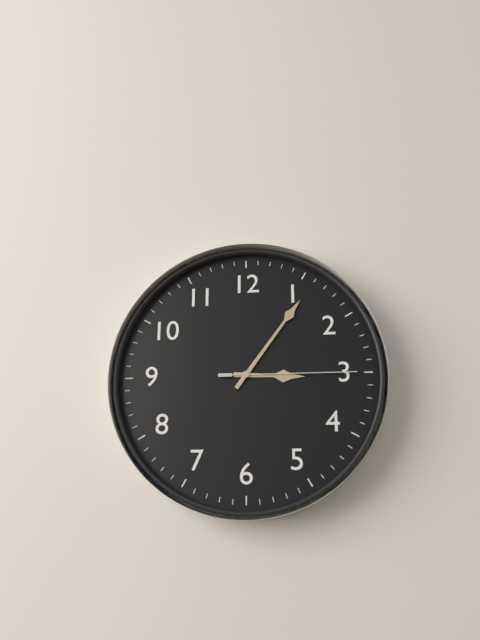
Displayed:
3:06:15
